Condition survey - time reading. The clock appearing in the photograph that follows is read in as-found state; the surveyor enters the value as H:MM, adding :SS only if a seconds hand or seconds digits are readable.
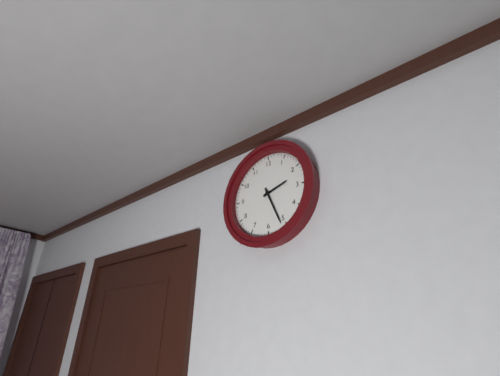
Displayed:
2:26
